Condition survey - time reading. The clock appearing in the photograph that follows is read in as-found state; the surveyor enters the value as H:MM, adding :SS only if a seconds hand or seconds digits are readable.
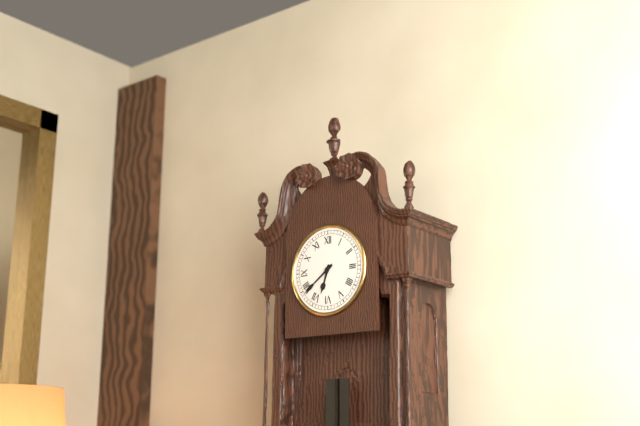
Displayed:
6:39
